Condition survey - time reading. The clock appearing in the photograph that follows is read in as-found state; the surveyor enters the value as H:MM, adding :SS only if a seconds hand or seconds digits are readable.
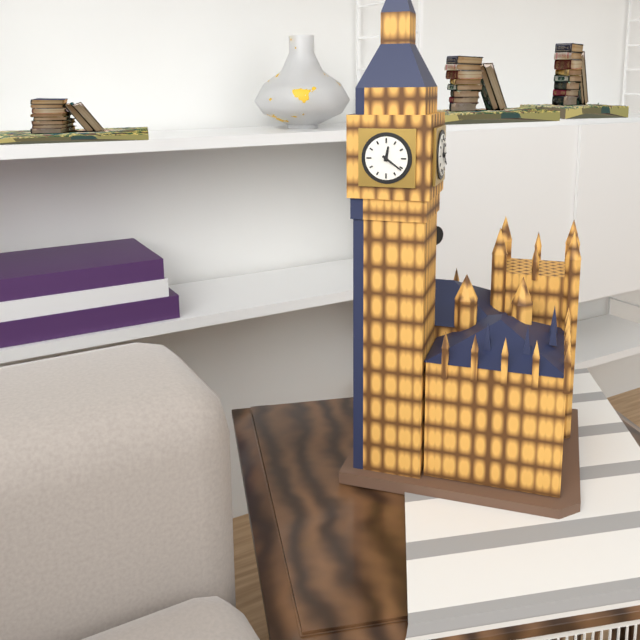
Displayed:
12:21
